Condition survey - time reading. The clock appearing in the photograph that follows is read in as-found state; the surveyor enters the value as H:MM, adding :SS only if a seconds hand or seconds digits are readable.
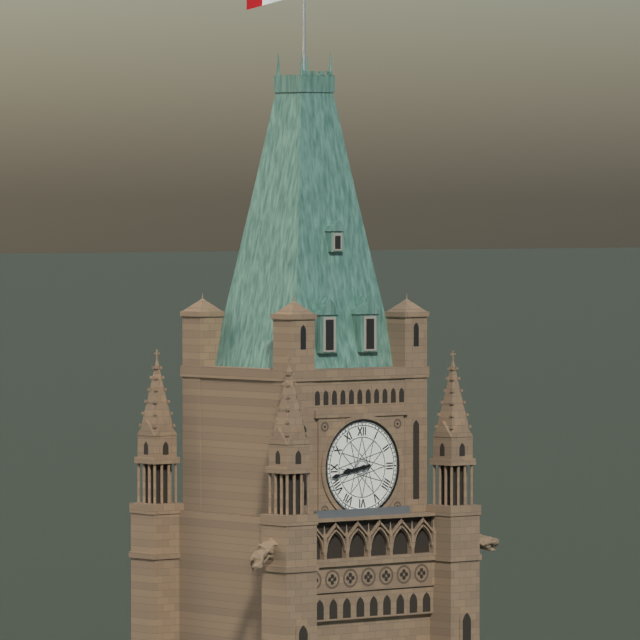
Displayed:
8:43
